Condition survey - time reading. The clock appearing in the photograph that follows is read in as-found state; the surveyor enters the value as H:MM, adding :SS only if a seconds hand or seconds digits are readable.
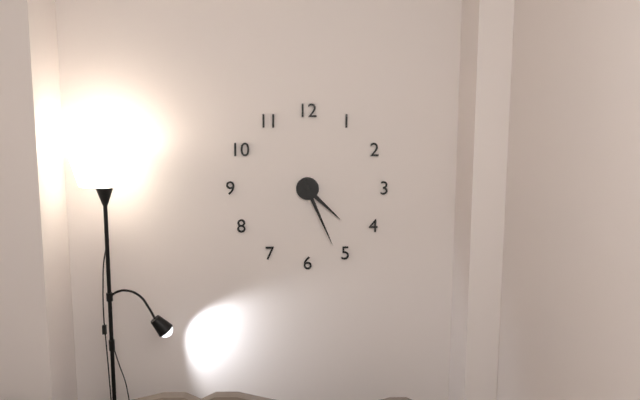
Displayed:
4:26
